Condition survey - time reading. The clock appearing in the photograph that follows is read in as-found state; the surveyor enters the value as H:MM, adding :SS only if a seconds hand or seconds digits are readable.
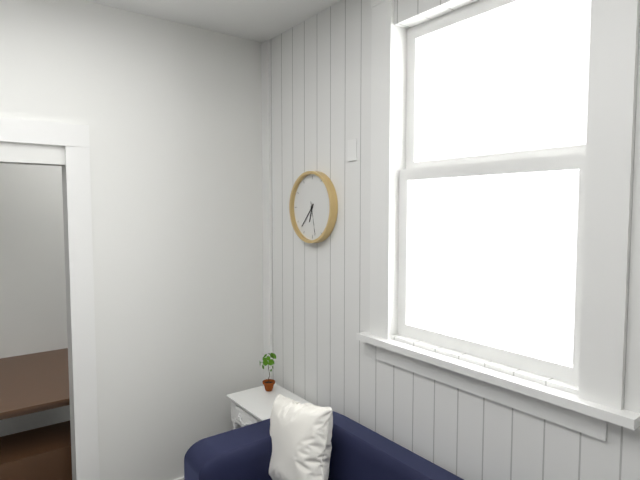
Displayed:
6:37
